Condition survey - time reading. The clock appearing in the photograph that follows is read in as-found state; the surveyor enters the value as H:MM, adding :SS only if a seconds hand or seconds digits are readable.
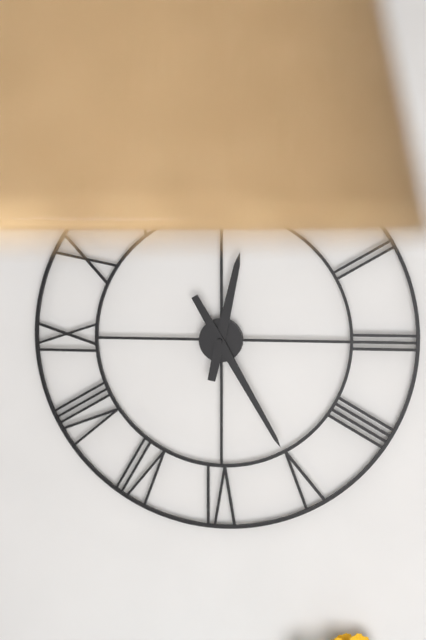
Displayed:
12:25
